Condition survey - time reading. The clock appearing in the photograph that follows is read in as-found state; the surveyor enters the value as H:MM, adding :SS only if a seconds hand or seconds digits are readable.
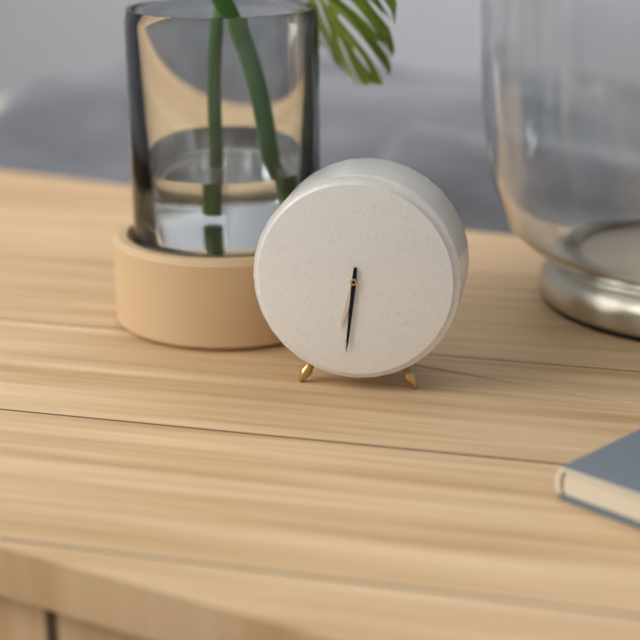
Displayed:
6:31
